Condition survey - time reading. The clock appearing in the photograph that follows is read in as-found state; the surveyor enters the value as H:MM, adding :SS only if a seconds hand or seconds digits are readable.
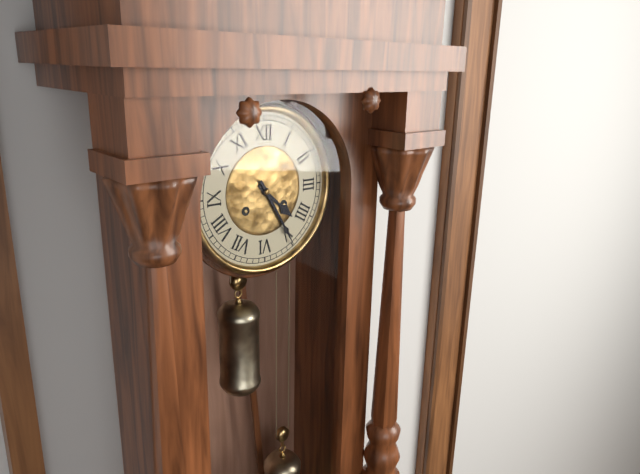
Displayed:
4:25
